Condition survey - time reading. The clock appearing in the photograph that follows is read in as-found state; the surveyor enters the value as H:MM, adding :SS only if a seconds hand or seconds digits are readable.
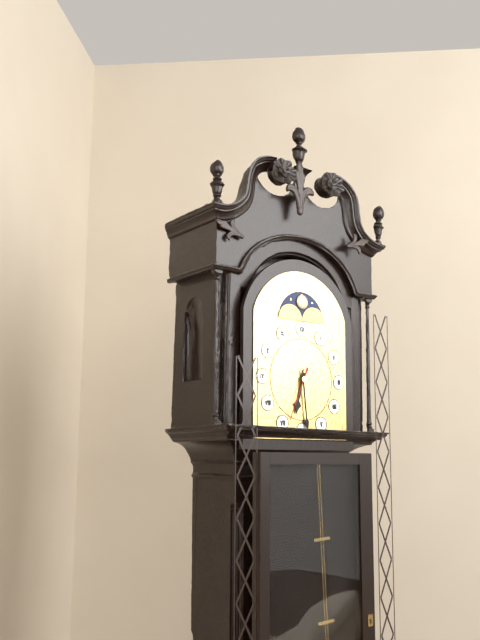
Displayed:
6:29:34
